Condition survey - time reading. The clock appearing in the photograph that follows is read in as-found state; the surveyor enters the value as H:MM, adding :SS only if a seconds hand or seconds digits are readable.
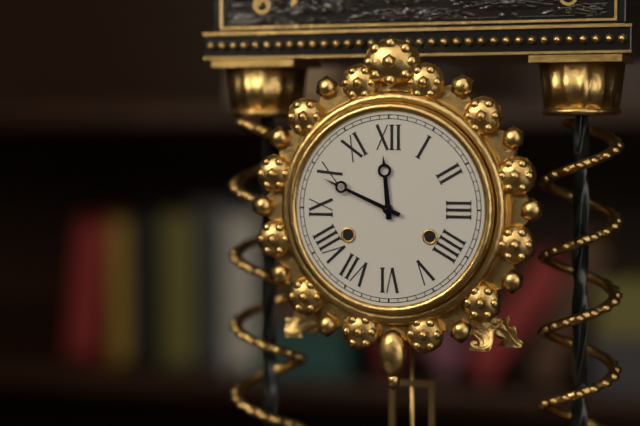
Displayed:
11:49
